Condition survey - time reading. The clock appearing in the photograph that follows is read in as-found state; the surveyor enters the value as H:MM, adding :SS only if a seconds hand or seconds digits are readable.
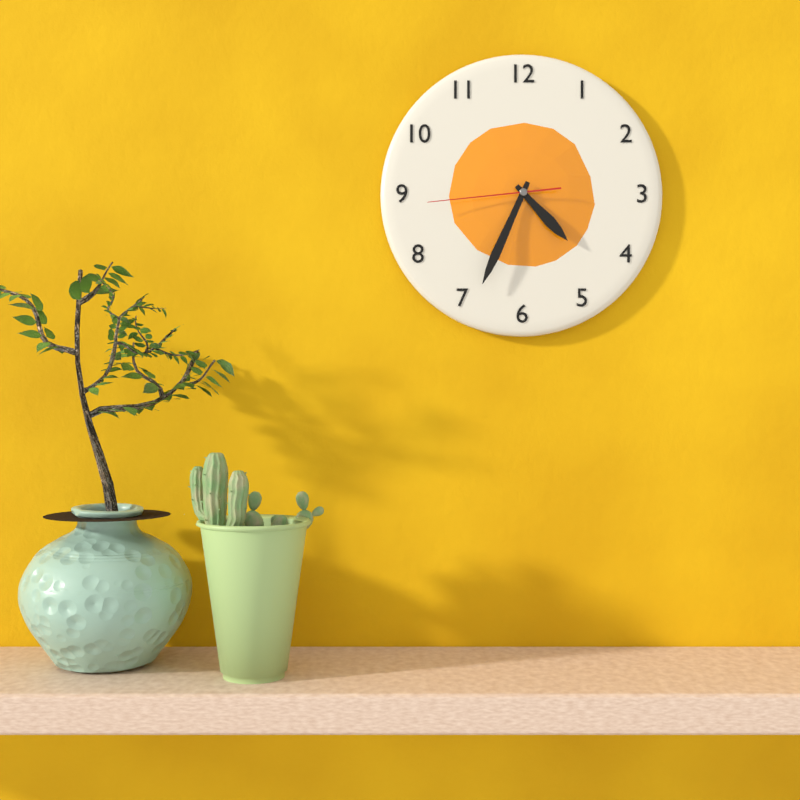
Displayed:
4:34:44
